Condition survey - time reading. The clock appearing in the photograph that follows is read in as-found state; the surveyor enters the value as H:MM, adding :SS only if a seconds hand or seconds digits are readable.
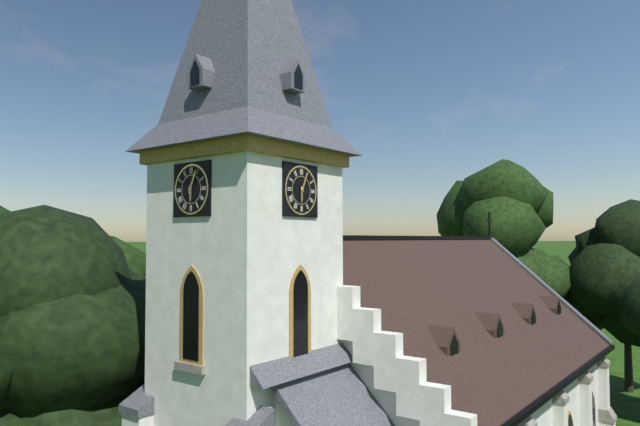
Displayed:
6:04
